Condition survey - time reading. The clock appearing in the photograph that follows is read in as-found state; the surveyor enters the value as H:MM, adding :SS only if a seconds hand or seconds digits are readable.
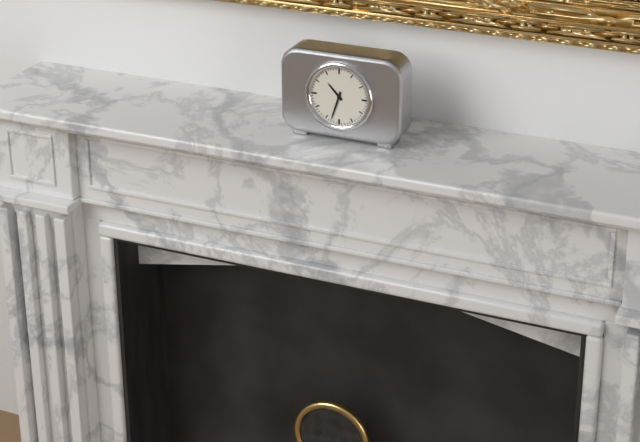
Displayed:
10:33
